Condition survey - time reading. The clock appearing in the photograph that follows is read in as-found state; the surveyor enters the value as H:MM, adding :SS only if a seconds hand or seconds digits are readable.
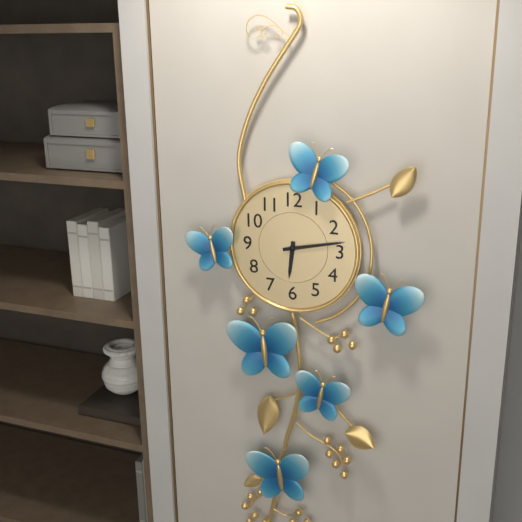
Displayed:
6:13
